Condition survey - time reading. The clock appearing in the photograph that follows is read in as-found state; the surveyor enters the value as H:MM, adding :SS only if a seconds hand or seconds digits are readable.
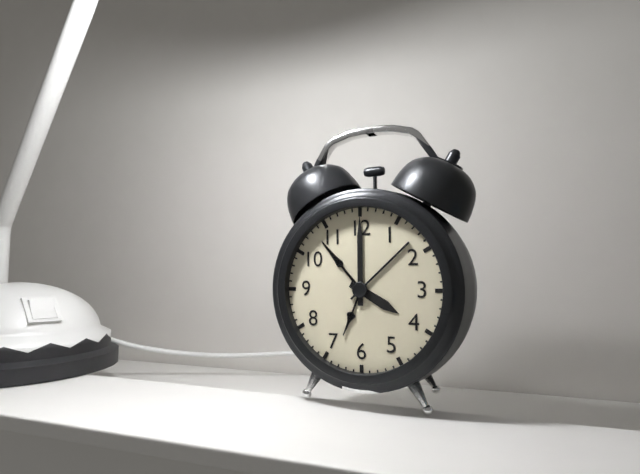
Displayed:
4:00
